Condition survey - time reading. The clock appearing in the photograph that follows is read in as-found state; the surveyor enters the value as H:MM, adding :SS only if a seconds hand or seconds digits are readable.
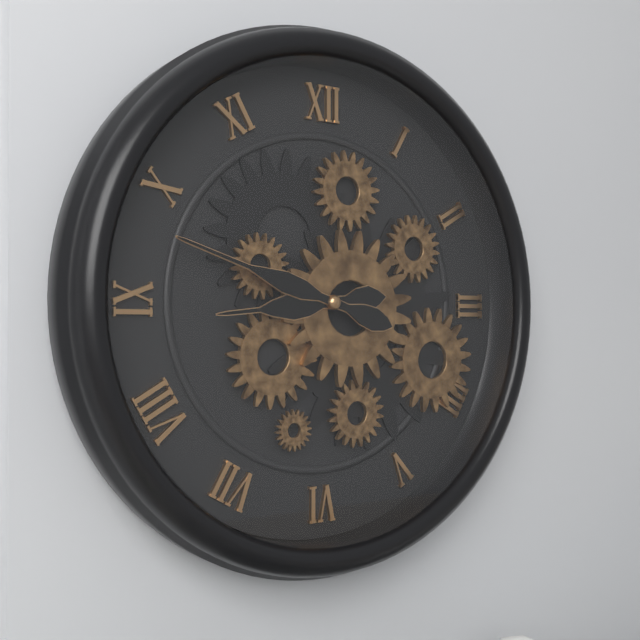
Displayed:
8:48
